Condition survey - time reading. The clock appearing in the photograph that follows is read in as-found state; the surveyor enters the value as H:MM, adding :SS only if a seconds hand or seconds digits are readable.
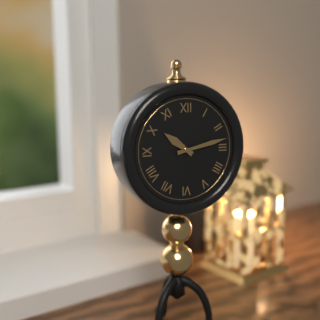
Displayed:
10:13
